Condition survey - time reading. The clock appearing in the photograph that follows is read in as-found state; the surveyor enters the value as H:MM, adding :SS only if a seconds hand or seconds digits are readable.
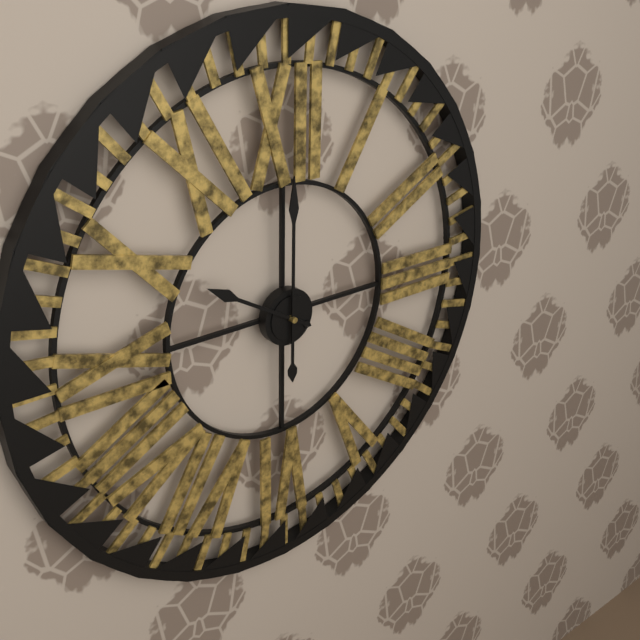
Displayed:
10:00
